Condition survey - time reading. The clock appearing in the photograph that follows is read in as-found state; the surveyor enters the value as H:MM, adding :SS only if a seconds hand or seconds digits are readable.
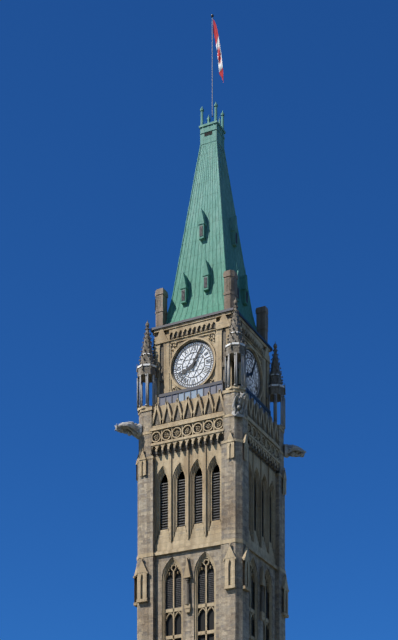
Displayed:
8:05
